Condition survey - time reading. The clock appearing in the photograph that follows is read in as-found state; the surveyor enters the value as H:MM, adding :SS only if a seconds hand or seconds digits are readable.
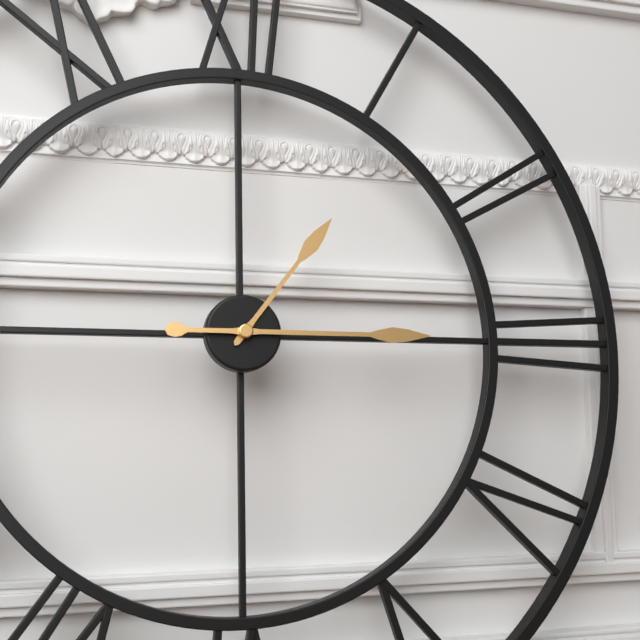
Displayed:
1:15
